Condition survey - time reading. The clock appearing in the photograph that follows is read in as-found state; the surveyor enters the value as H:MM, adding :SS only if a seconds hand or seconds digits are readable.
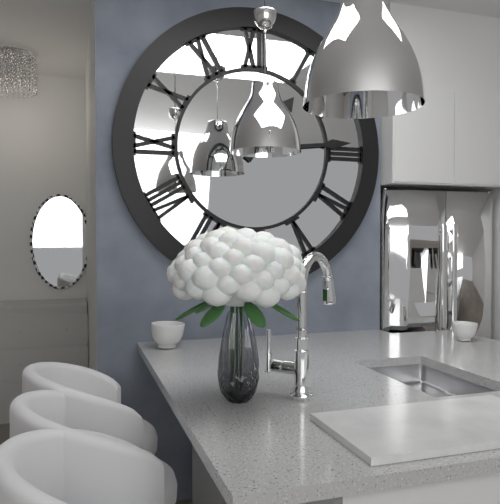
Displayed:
1:14
